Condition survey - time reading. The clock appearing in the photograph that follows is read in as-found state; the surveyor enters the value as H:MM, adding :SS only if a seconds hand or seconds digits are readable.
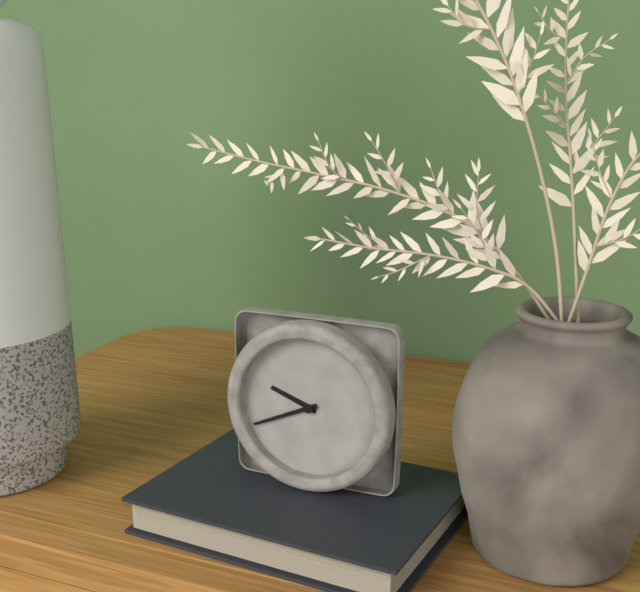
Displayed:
9:41
